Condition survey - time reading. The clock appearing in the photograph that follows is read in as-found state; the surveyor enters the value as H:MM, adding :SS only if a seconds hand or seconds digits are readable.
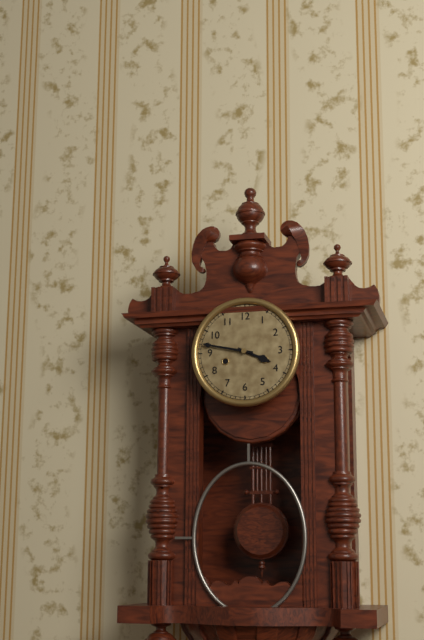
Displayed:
3:47
